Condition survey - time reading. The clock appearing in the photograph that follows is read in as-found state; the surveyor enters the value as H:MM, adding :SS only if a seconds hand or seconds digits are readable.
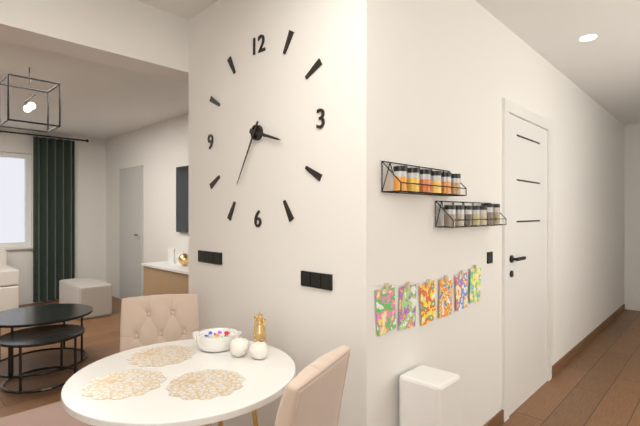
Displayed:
3:35
